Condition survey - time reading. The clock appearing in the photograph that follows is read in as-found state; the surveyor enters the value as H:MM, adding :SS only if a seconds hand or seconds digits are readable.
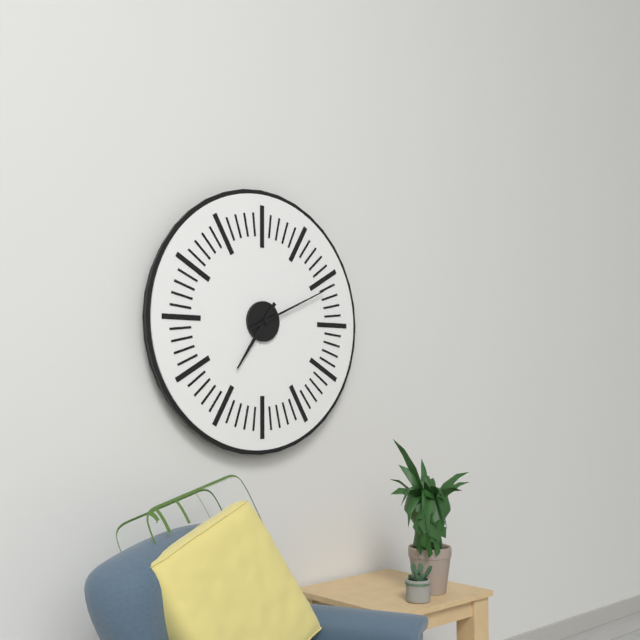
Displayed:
7:11
